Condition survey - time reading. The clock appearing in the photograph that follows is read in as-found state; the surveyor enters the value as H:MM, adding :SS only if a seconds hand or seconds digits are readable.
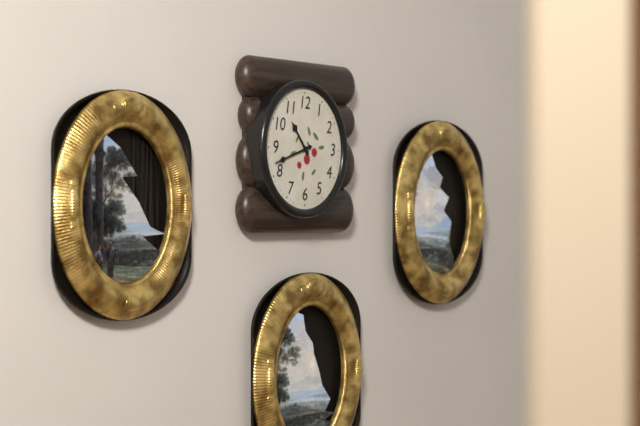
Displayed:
10:42
